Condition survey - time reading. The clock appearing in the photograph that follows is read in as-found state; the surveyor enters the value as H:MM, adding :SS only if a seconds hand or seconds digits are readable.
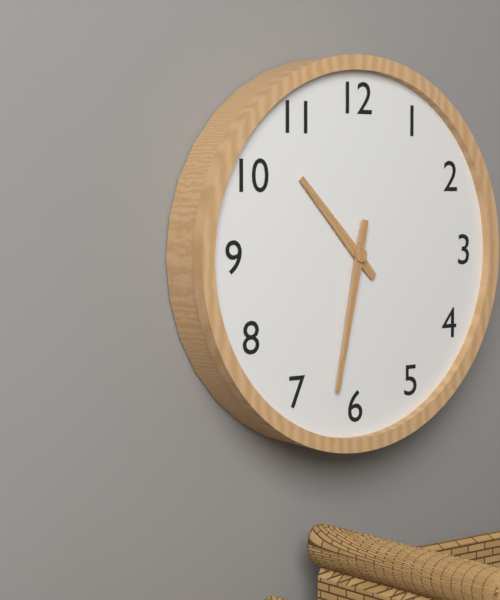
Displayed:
10:32
